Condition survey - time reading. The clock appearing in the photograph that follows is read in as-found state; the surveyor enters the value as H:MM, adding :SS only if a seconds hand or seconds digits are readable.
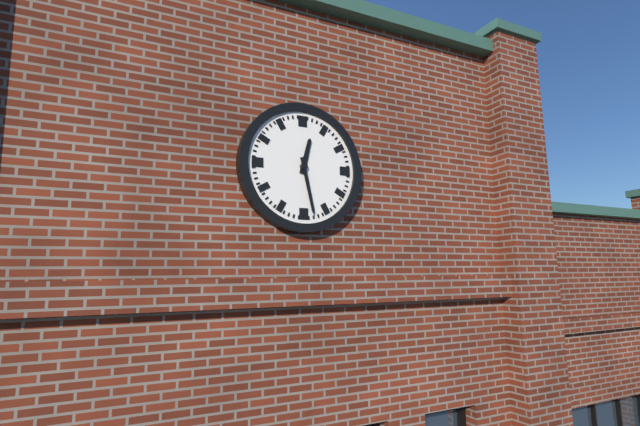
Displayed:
12:28
